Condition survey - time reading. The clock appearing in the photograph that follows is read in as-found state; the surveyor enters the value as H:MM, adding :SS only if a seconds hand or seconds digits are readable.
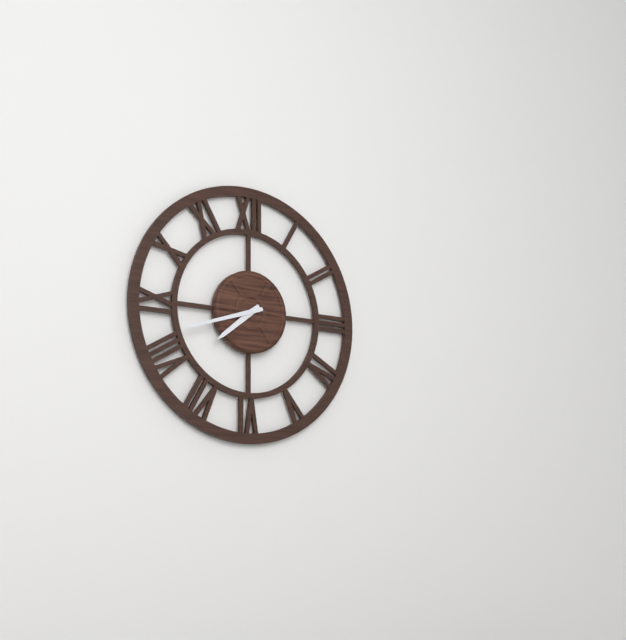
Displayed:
7:42
